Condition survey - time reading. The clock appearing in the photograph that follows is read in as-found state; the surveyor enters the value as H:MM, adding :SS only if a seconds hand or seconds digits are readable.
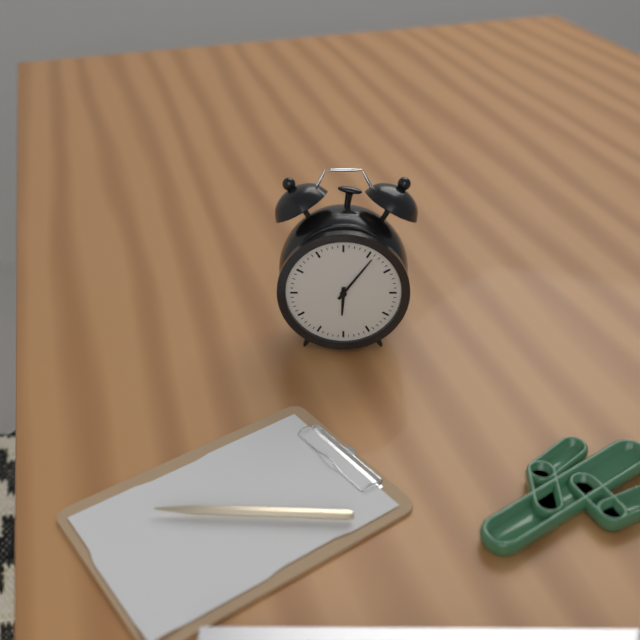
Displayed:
6:06
